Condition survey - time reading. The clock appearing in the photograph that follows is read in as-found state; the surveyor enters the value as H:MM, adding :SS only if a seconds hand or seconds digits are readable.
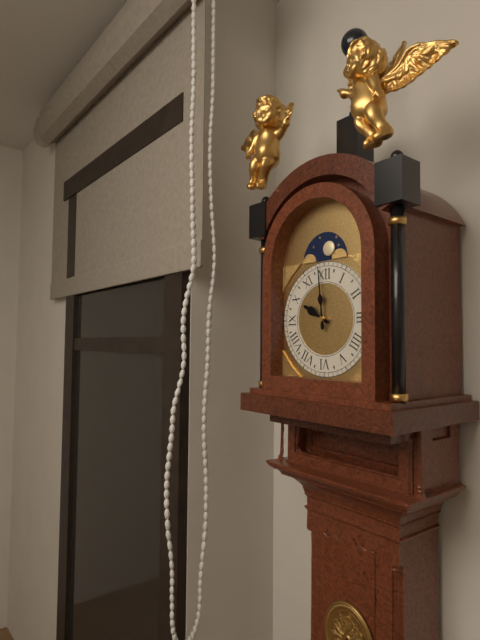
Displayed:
9:59
